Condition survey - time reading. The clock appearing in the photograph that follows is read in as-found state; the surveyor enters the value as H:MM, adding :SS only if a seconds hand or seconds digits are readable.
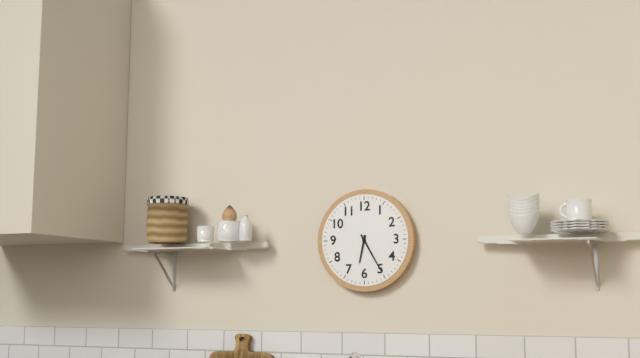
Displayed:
6:25
